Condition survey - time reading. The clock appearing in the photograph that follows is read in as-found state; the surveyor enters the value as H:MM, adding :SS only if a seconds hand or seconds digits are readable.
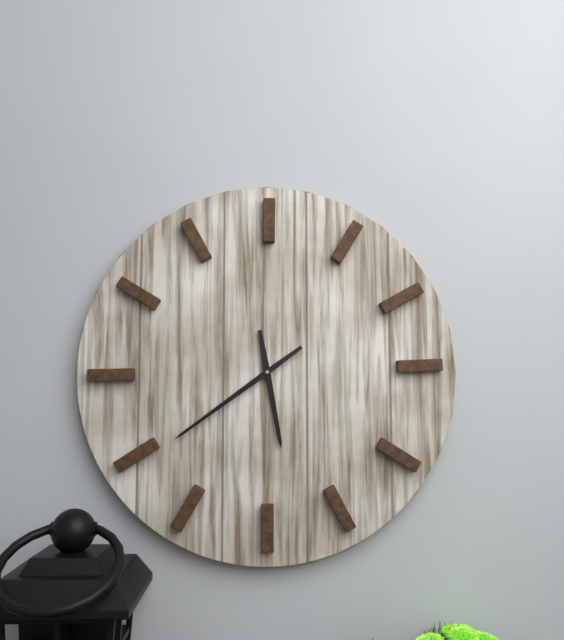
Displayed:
5:39
